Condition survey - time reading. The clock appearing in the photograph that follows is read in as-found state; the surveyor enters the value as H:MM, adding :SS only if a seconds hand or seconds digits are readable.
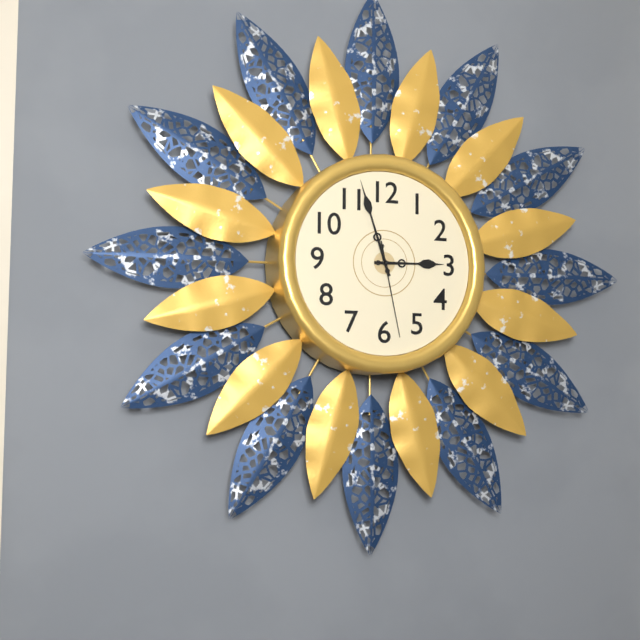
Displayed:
2:57:28
